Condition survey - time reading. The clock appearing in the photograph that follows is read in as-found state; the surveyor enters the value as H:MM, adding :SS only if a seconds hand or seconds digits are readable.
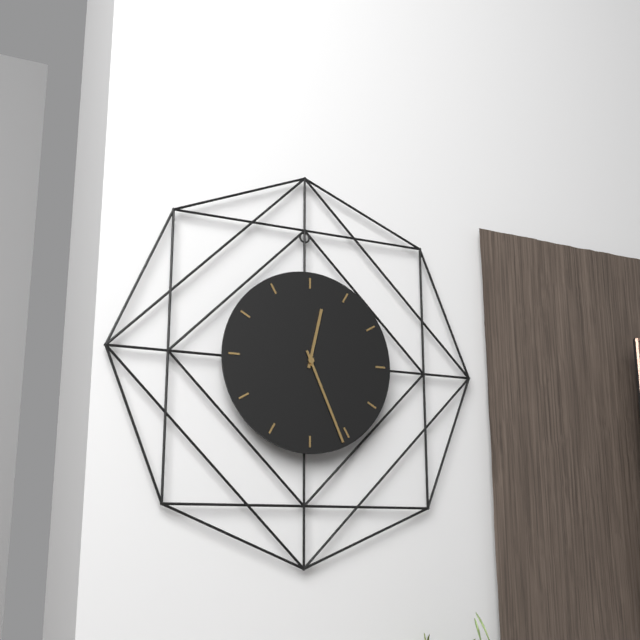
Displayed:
12:26
